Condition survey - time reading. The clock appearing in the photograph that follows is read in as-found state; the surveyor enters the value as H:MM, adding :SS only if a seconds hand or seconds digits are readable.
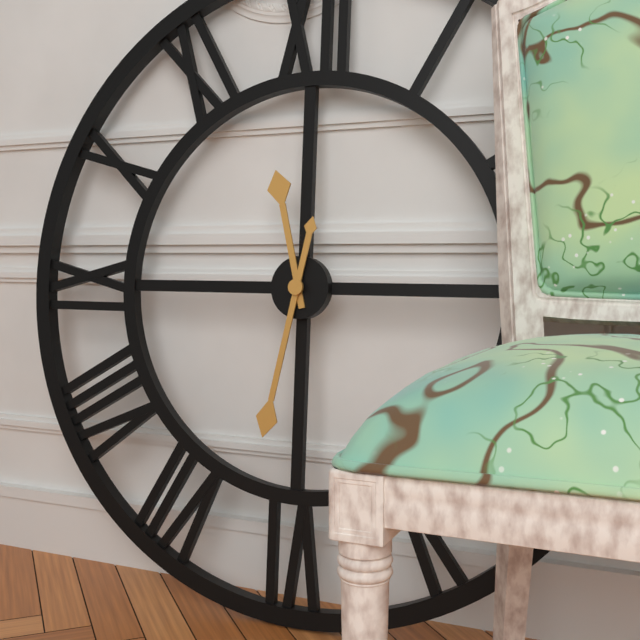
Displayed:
11:32
